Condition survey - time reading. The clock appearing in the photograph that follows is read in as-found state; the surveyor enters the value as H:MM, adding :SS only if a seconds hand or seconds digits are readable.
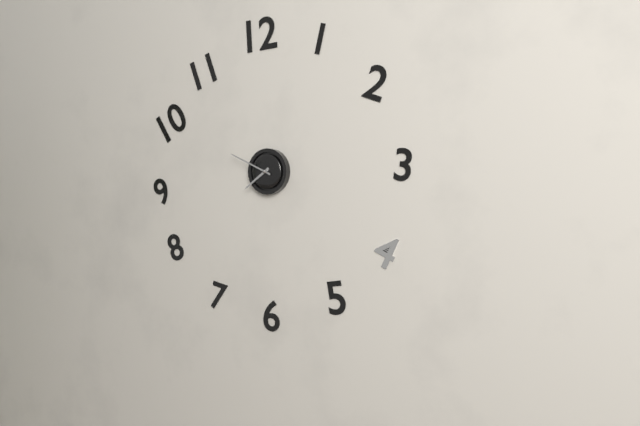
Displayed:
7:49
